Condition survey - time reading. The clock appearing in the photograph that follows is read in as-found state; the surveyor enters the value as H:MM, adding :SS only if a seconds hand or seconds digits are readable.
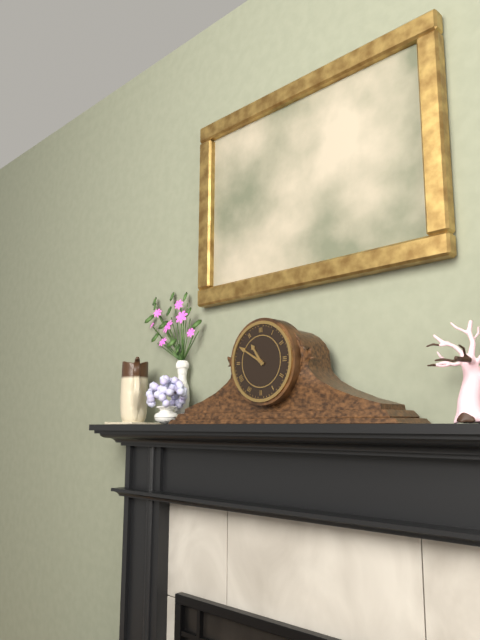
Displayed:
10:50
